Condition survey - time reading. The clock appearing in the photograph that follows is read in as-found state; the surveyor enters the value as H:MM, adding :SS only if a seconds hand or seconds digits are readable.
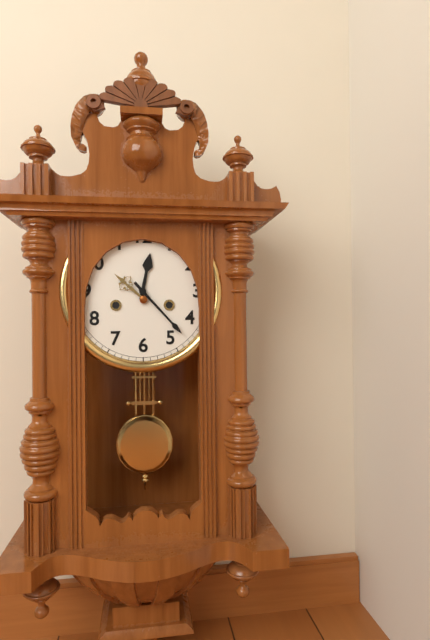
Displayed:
12:23
